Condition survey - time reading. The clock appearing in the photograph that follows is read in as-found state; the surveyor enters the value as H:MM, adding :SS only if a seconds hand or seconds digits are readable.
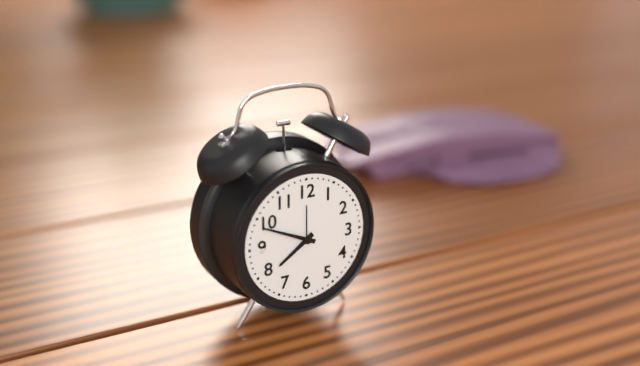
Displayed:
7:49
